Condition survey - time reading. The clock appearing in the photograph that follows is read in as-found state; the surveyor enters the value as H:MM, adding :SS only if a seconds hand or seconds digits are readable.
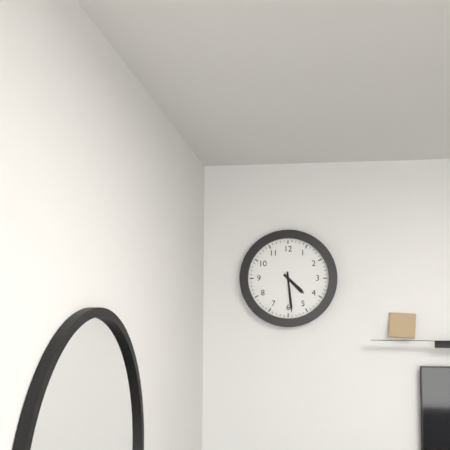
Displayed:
4:29
